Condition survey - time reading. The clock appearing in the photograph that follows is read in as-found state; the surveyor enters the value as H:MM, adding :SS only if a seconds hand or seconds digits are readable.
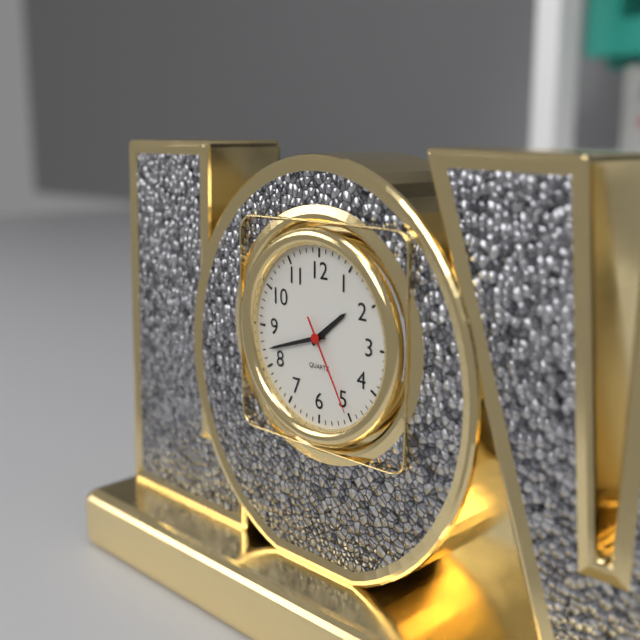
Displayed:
1:42:25
